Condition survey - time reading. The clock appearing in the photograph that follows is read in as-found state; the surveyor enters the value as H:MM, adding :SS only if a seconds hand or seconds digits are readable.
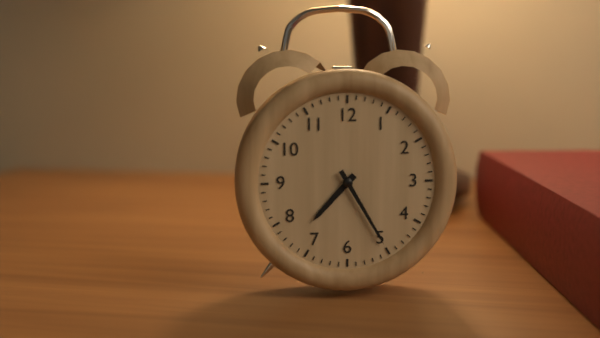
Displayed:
7:25
